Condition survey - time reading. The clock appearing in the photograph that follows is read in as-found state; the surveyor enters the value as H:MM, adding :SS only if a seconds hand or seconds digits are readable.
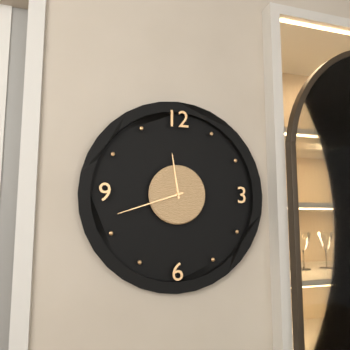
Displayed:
11:42
